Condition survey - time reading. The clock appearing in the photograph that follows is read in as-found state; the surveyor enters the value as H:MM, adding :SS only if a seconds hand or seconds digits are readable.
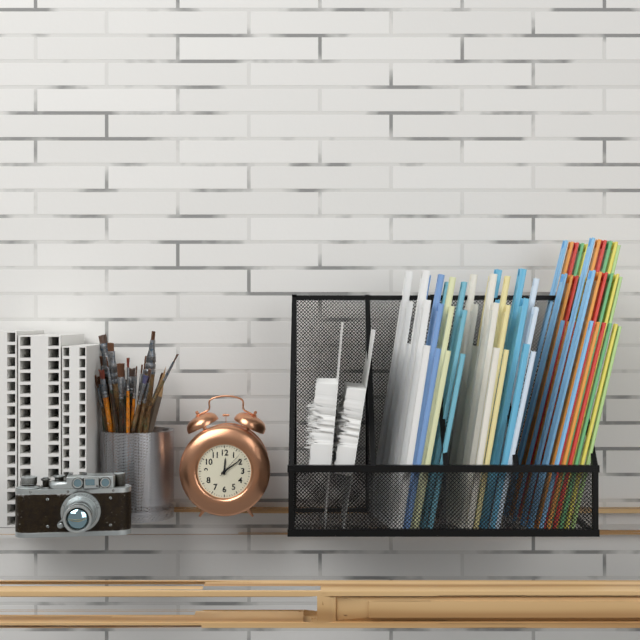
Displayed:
12:09
